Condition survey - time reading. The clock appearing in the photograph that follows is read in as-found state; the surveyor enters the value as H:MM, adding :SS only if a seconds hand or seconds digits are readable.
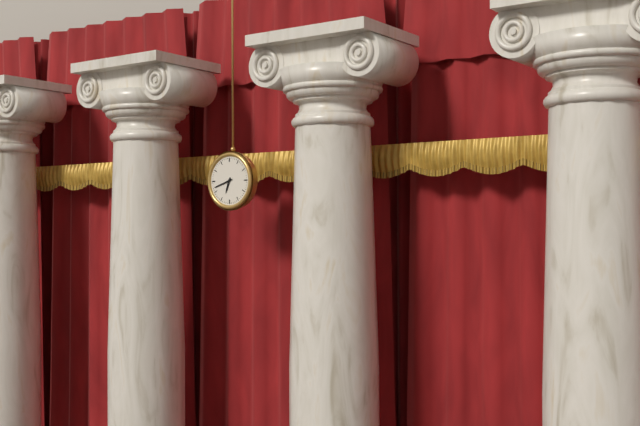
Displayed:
6:42
